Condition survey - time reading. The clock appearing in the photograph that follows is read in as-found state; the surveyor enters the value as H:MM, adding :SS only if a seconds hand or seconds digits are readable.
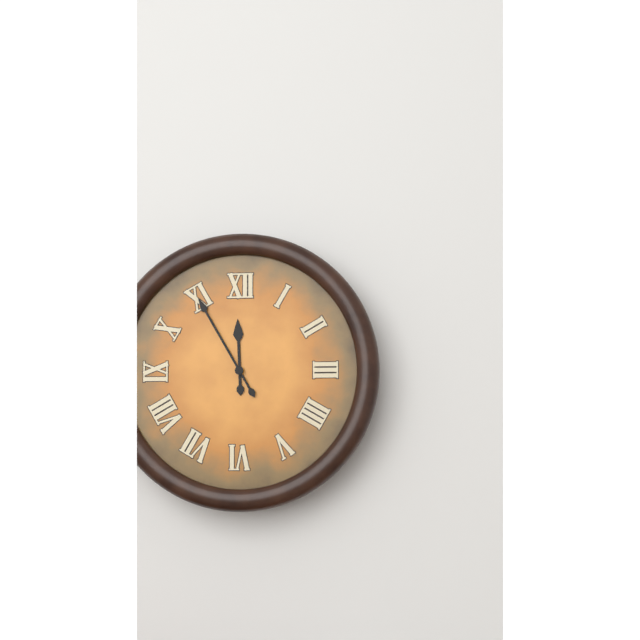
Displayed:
11:55
